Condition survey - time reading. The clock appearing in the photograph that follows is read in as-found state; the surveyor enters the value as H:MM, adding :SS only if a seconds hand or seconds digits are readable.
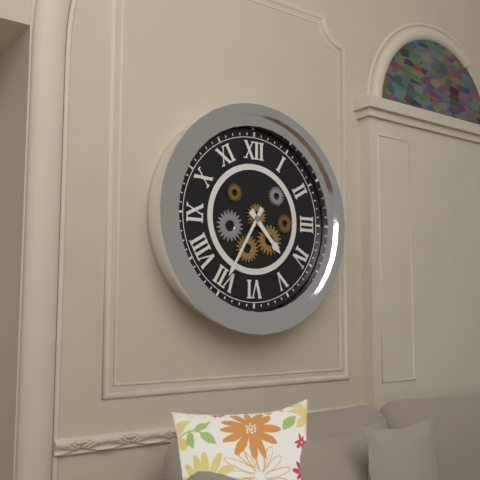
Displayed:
4:35
